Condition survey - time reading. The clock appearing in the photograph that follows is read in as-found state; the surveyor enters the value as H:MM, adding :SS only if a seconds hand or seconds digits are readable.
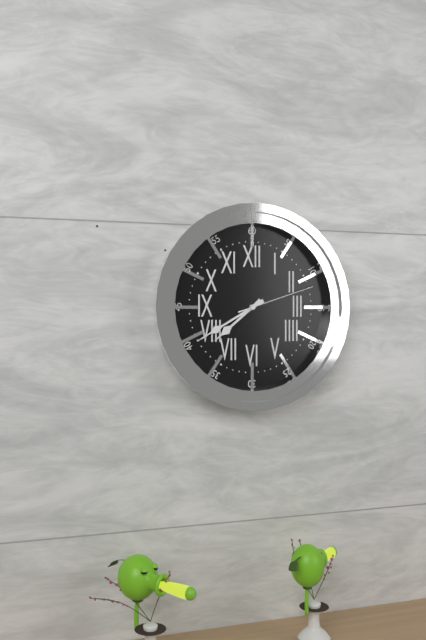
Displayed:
7:40:12
